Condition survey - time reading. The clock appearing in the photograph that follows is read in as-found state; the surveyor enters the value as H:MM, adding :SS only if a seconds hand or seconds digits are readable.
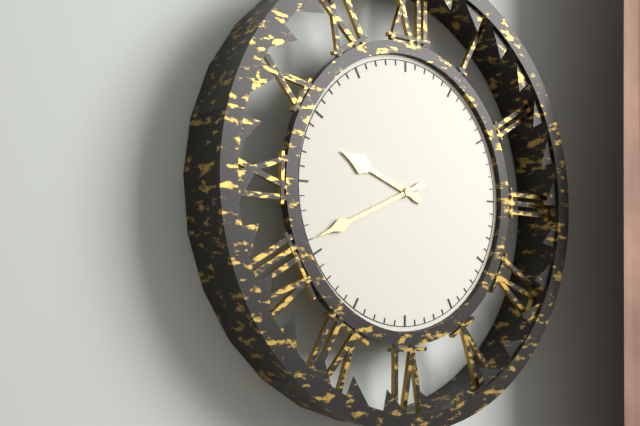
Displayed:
9:41
